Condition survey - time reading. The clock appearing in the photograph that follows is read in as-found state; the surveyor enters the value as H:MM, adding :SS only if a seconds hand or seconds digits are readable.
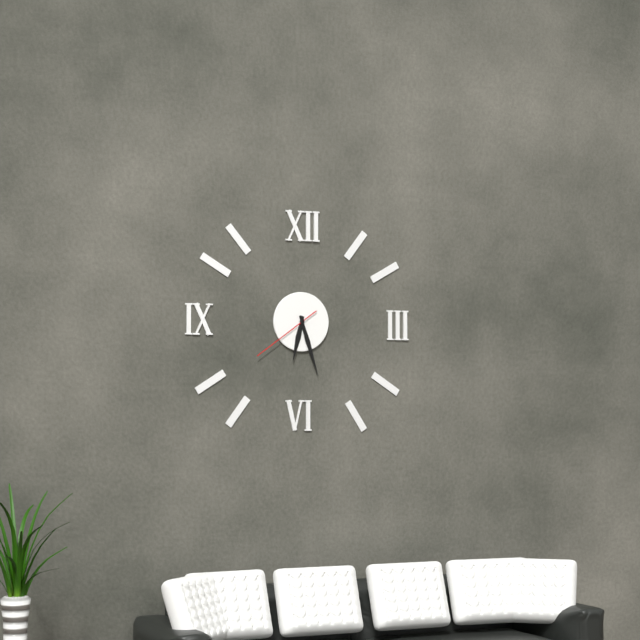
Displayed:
6:27:39
